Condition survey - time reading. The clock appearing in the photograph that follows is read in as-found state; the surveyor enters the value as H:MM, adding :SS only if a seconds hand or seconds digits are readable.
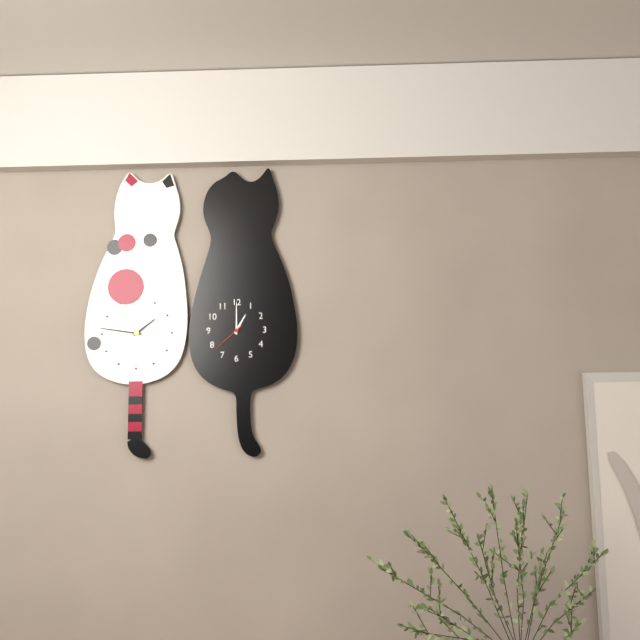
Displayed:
1:00
